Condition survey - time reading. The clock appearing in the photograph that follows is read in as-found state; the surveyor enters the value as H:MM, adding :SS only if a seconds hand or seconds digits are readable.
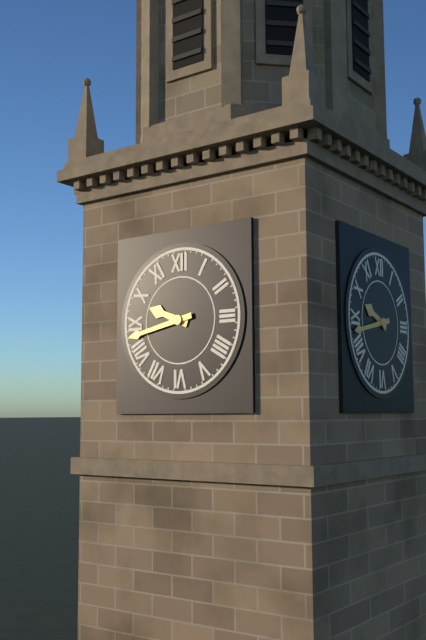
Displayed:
9:43
